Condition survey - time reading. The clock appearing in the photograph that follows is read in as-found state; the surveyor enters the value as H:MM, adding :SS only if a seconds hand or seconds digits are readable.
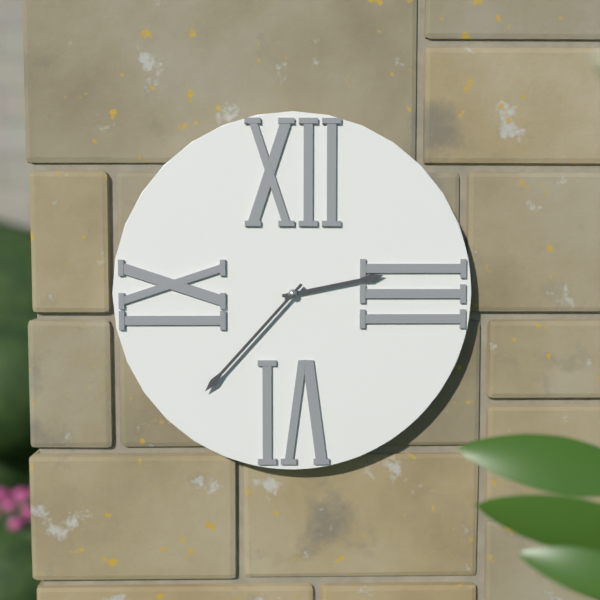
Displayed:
2:37
